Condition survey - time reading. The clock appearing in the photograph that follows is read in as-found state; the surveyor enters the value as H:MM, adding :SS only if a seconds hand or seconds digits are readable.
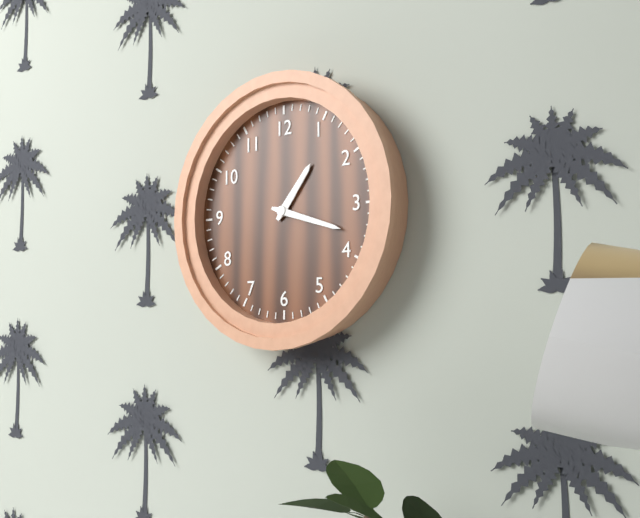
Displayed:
1:18
